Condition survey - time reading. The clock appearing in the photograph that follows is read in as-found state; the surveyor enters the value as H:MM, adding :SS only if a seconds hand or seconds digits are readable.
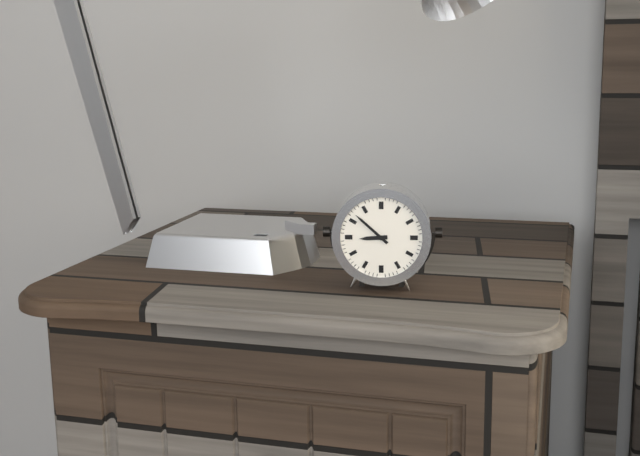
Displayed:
8:52
